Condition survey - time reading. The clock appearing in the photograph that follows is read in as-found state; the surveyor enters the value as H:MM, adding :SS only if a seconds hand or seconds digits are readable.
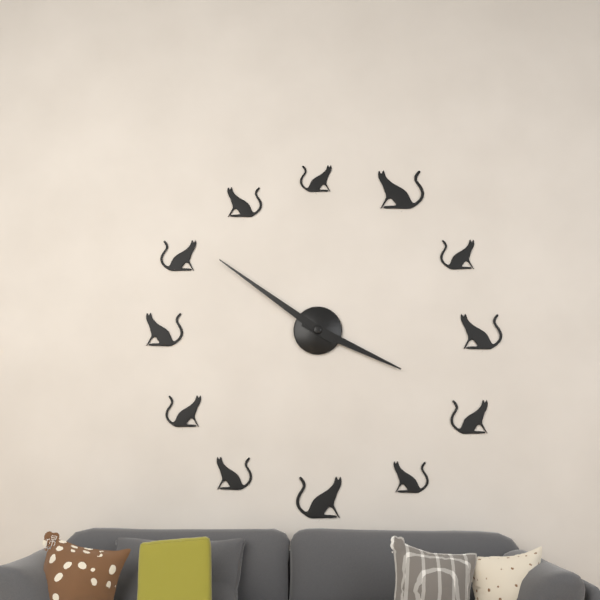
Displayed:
3:51
